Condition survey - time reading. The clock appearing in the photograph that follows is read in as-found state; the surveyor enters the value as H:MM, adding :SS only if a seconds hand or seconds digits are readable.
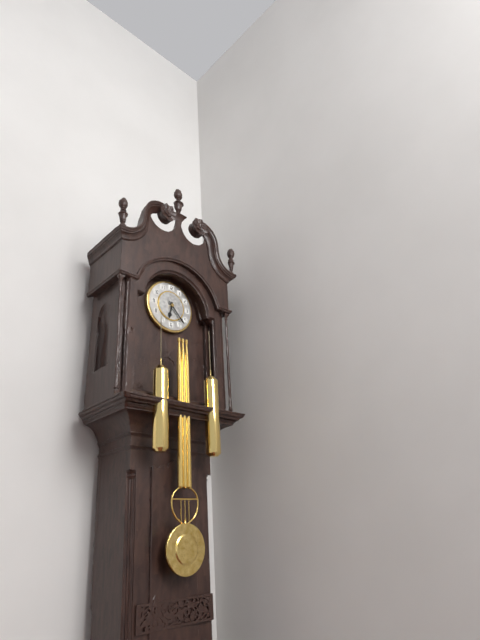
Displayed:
6:23
